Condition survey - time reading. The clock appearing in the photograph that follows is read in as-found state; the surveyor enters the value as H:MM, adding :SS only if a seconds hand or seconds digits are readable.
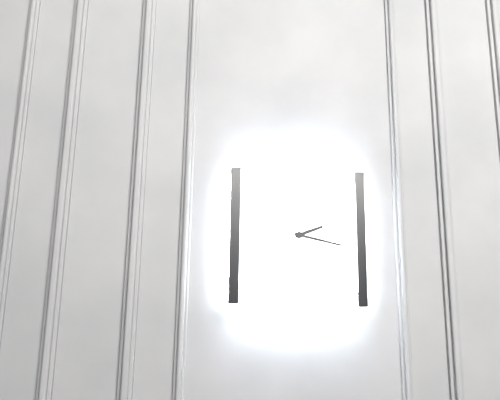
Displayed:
2:17
